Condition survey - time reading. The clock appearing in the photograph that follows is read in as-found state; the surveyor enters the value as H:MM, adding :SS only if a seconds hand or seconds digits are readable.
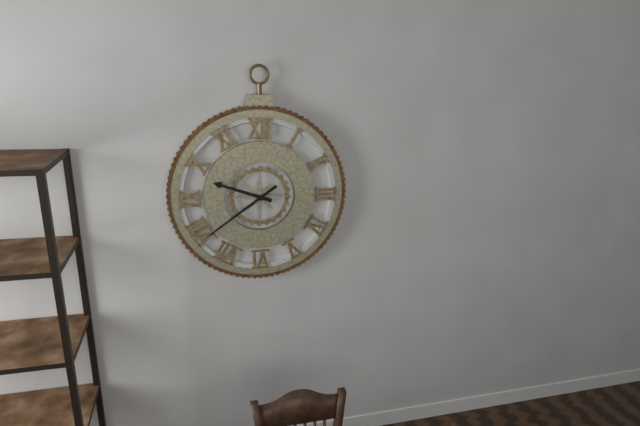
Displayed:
9:39
